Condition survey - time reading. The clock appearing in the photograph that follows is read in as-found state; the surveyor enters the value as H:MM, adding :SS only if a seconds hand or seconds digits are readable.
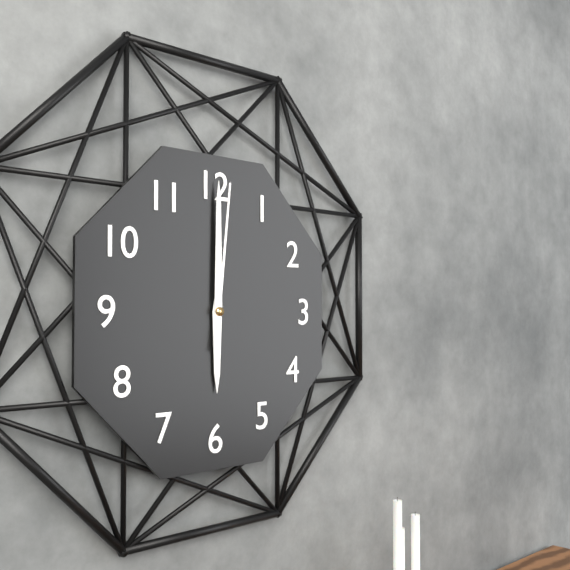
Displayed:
6:00:01
